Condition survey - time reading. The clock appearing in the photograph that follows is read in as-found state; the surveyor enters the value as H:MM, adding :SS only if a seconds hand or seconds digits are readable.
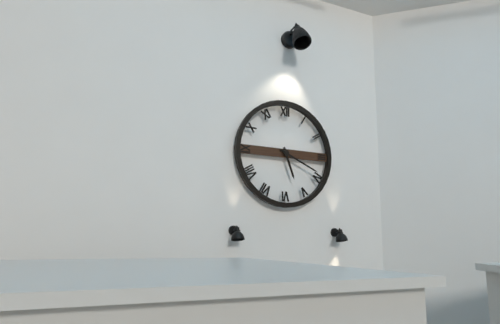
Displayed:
5:19
